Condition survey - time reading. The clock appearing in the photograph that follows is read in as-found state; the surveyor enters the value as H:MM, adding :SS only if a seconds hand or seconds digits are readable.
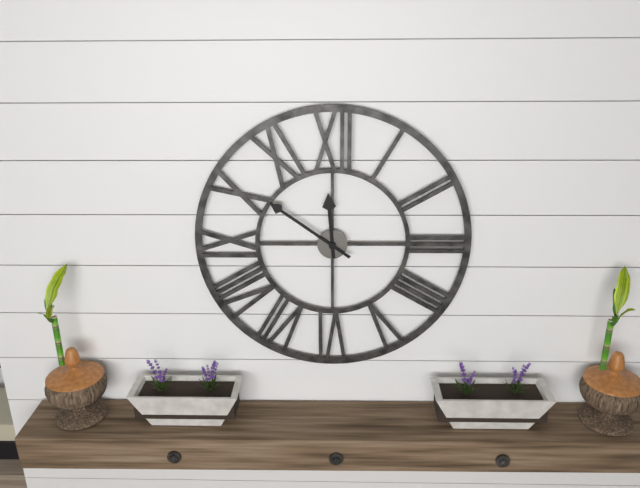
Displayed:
11:51
